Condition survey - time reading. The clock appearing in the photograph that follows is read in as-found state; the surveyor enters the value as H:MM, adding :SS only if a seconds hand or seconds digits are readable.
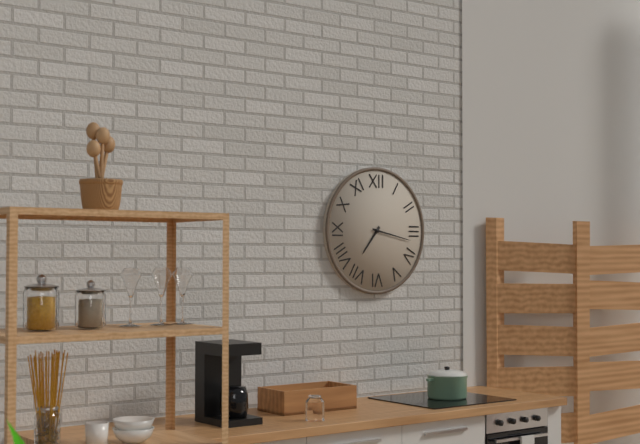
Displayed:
7:17
